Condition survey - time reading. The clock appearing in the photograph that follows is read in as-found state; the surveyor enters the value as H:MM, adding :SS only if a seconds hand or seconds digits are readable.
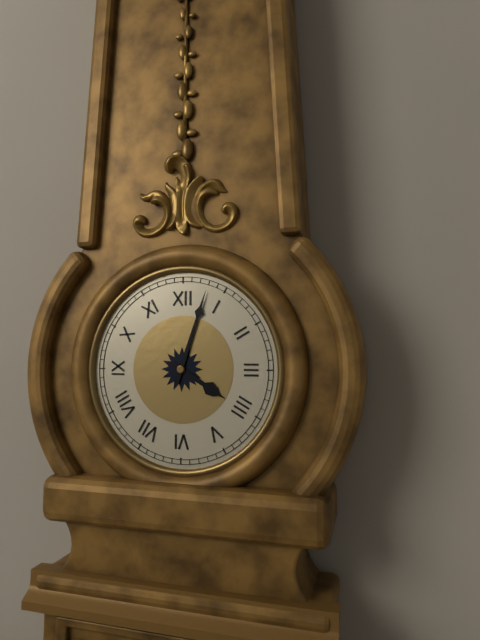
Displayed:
4:03
